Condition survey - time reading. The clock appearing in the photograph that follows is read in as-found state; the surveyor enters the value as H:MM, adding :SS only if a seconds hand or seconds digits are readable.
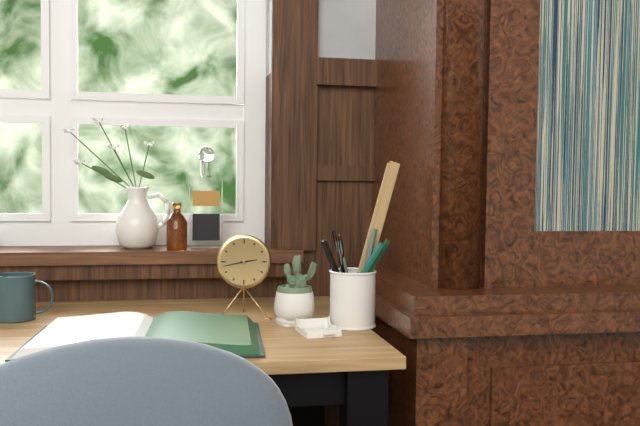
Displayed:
2:43
